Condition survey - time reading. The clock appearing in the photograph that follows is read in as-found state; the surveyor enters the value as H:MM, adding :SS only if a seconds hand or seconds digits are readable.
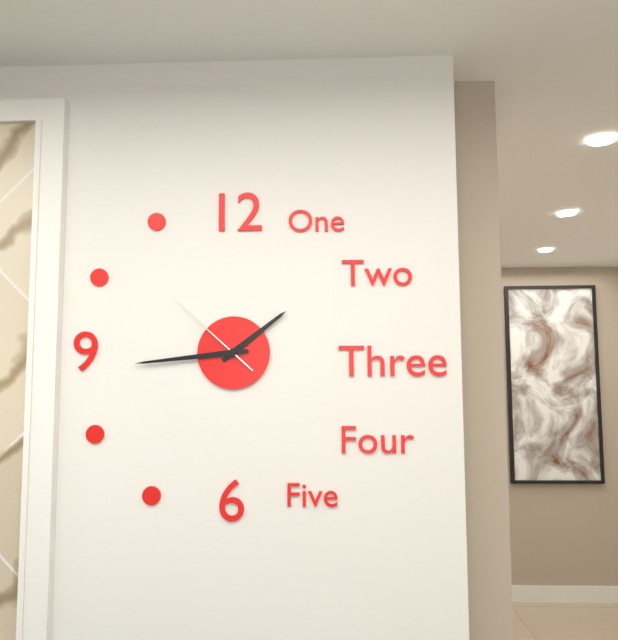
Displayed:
1:44:52
